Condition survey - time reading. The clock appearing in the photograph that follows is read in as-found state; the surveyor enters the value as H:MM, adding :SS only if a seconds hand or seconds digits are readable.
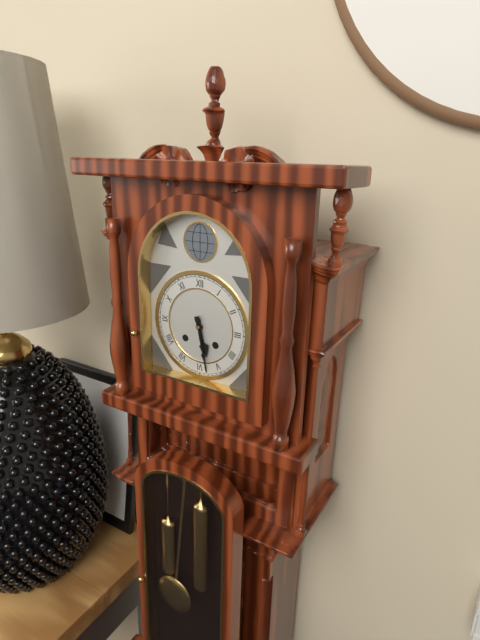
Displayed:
5:28
